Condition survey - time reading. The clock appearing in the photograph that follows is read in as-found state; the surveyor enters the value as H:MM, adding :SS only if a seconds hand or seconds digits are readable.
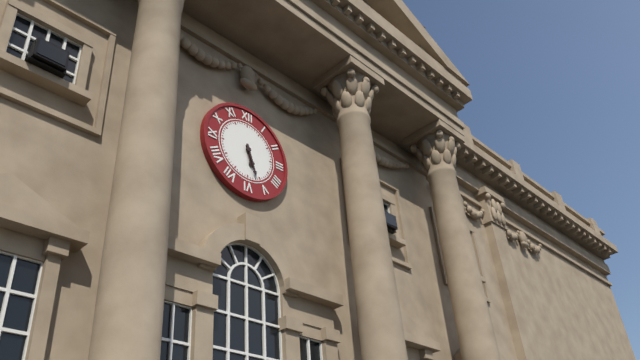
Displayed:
5:27
